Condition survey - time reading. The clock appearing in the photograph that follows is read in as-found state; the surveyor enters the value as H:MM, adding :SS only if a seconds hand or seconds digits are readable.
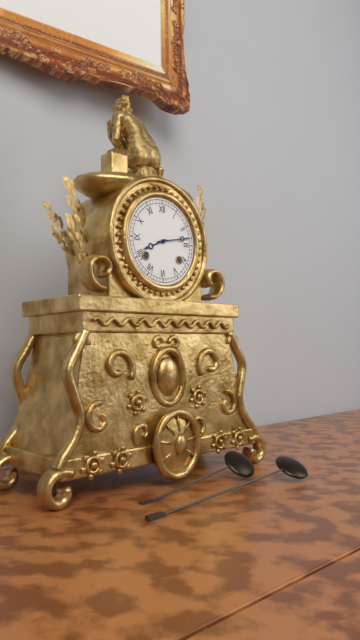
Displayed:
8:13
